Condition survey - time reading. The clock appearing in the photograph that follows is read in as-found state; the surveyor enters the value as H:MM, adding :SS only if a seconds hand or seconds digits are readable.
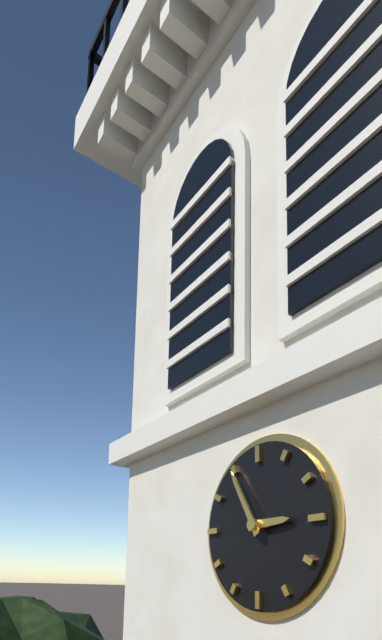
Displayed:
2:55
